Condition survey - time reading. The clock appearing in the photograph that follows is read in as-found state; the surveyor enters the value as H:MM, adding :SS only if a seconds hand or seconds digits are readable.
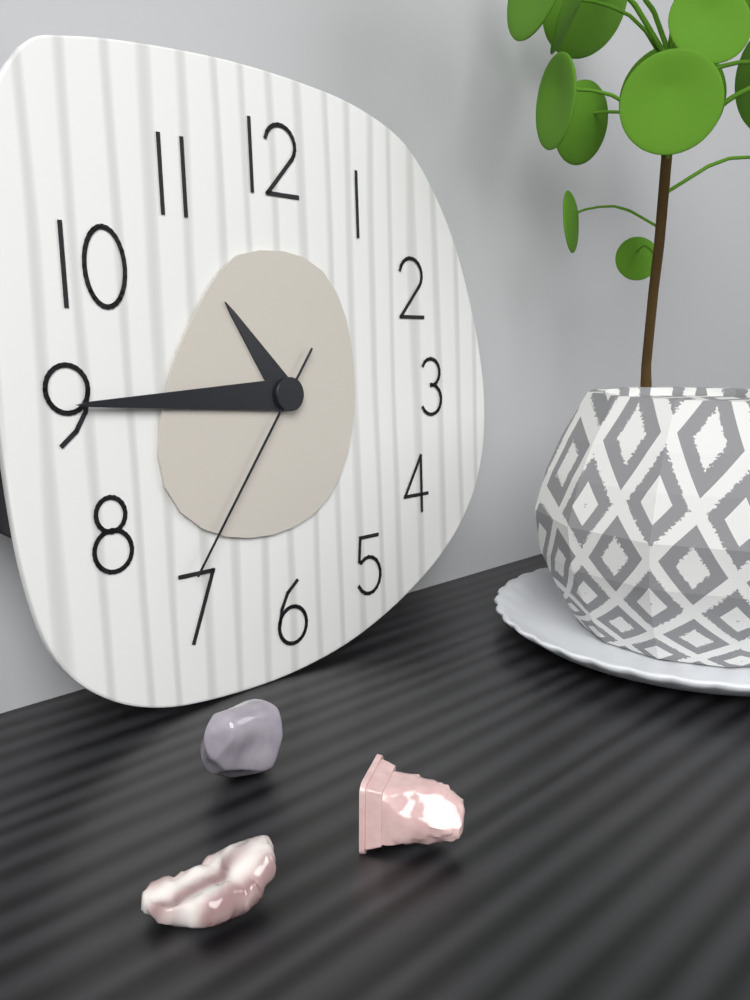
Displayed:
10:45:36
